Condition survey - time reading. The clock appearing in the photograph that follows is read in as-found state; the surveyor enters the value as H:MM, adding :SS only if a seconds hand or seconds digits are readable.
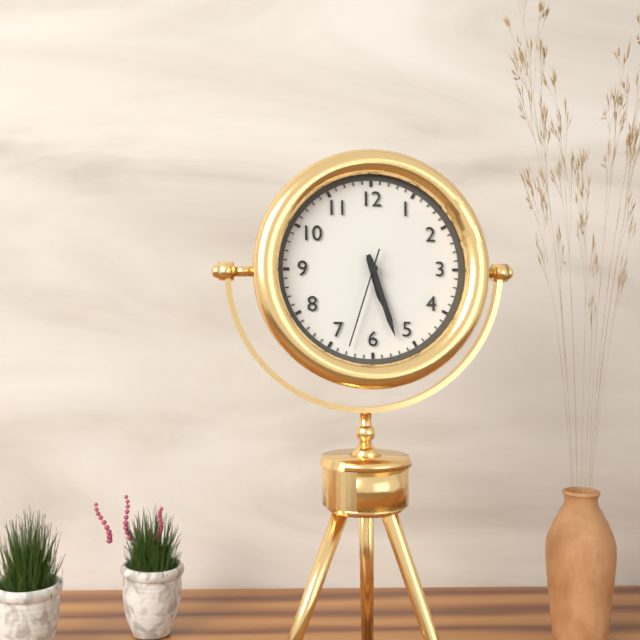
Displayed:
5:27:33
